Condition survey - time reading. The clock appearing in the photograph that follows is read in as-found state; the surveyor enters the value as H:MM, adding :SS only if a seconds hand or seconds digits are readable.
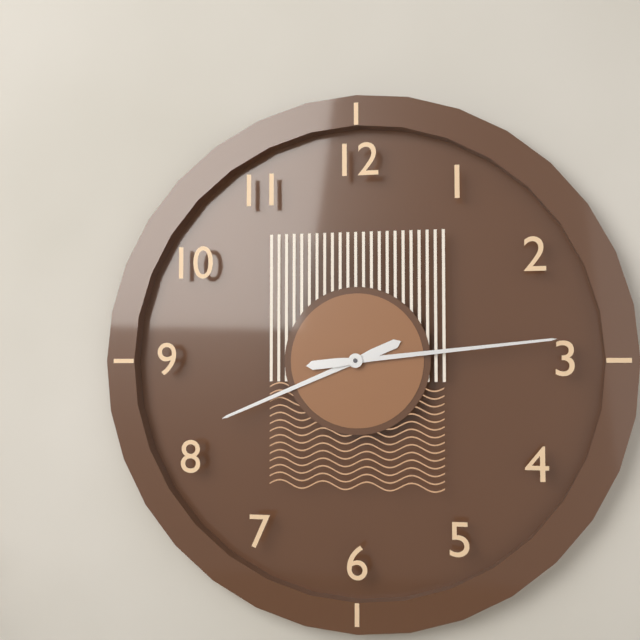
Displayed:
8:14
